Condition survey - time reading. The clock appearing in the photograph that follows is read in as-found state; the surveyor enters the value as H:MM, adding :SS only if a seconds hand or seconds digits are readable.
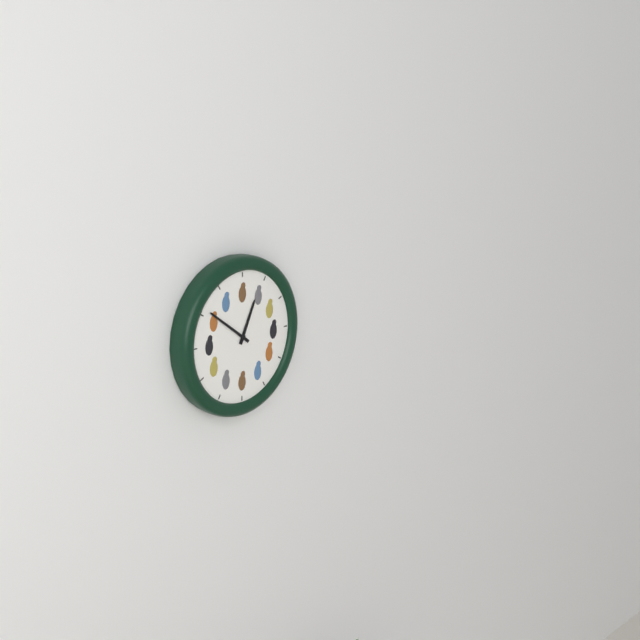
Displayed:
12:51
